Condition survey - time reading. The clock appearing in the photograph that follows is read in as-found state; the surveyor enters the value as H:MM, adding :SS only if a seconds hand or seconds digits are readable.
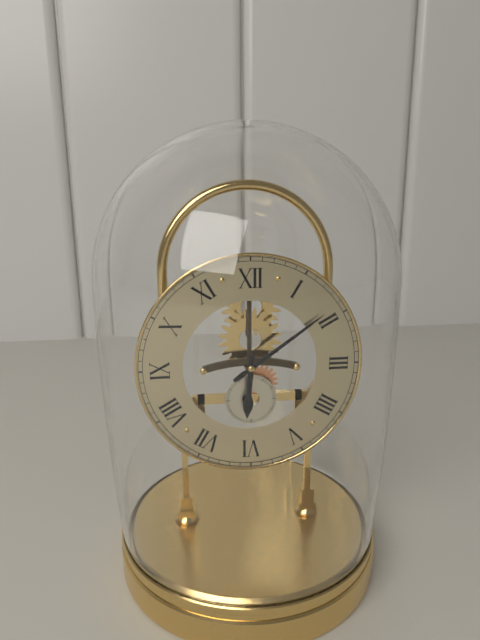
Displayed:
6:09
